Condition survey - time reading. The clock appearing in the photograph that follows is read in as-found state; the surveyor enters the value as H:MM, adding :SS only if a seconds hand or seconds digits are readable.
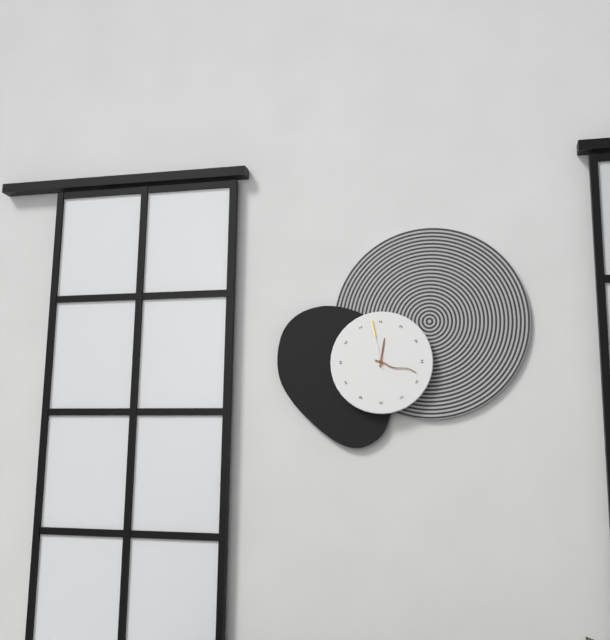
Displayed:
12:18:58
